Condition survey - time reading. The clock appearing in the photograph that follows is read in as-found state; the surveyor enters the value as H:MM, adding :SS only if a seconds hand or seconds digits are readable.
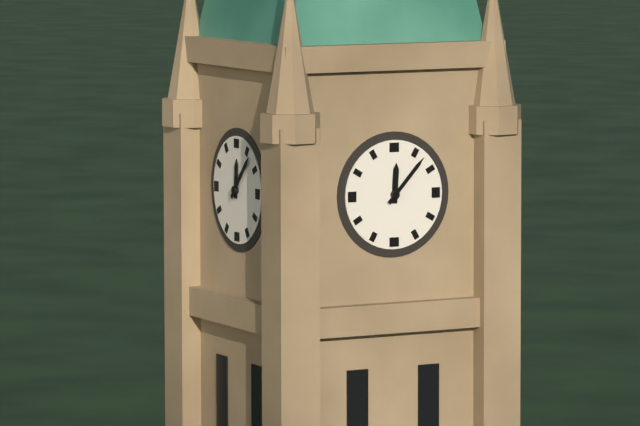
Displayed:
12:07
